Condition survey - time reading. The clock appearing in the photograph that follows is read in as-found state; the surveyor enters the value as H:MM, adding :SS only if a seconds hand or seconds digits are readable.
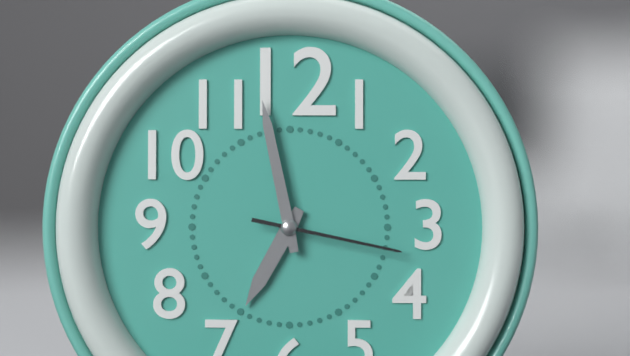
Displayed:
6:58:17
